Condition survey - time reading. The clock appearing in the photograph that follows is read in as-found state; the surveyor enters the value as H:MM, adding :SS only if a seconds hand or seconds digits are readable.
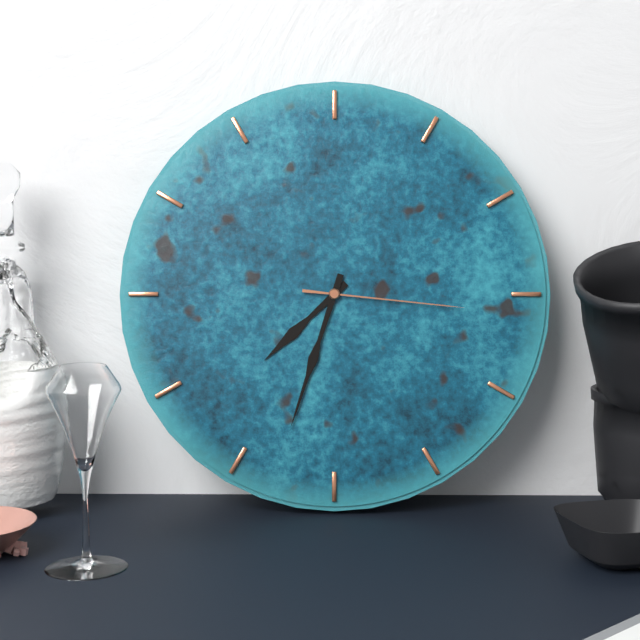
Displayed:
7:33:16
